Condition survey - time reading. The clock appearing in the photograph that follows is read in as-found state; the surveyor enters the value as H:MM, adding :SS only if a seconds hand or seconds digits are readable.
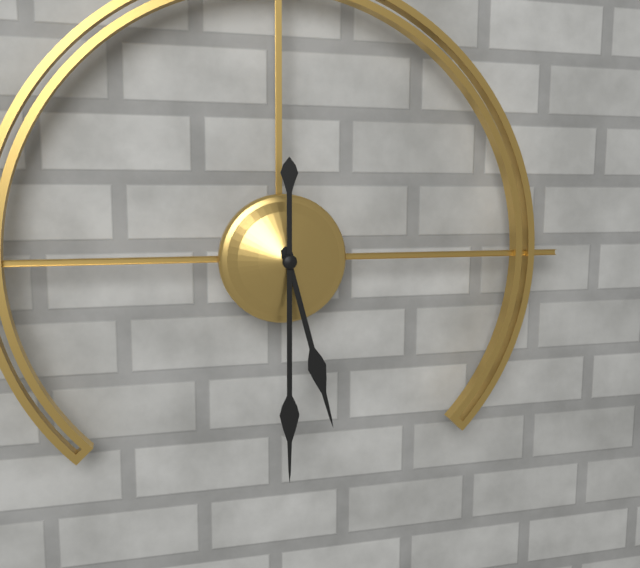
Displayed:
5:30
